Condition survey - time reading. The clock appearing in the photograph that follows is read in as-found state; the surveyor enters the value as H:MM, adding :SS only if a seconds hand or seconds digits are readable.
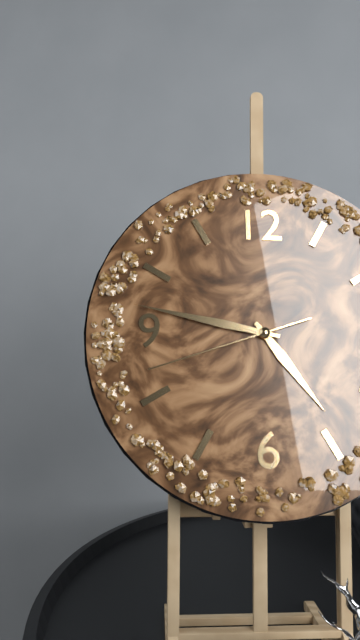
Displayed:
4:47:42
